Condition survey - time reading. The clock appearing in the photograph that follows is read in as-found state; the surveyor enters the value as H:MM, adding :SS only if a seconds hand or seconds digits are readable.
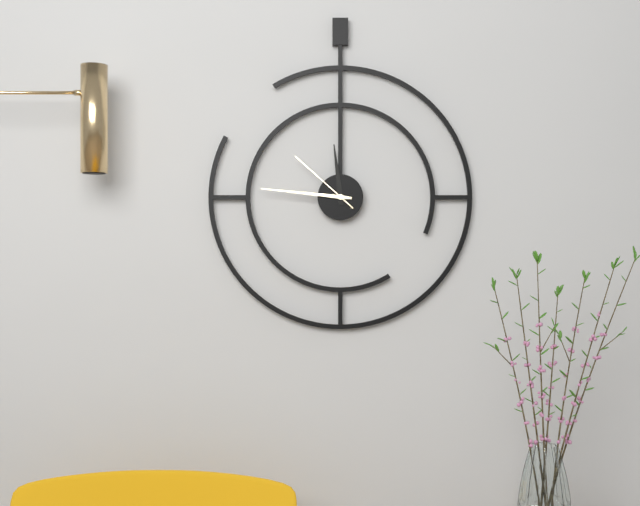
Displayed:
11:46:52
